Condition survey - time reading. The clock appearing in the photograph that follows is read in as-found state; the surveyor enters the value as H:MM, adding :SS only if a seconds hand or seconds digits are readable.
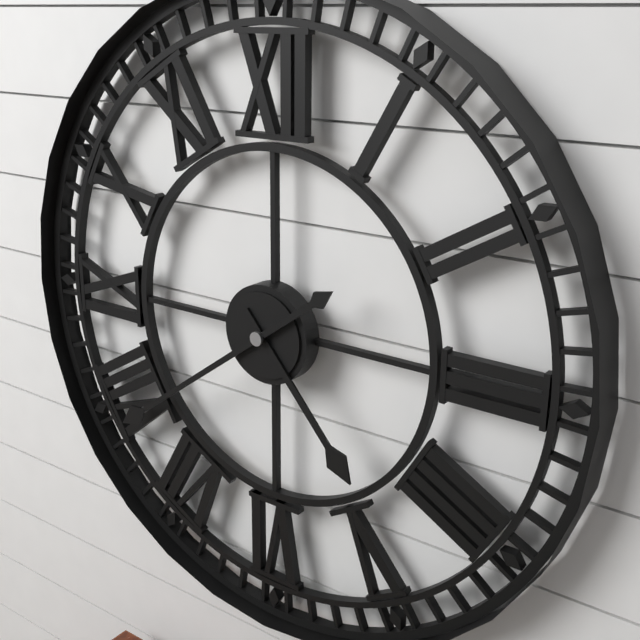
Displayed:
4:39
